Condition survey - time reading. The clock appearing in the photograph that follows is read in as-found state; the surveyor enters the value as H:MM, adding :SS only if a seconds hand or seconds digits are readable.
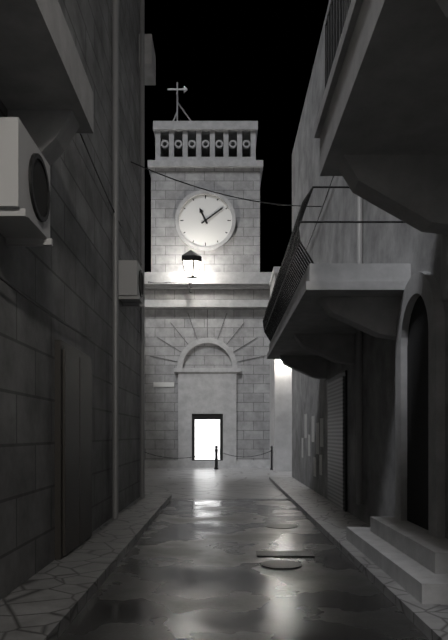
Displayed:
11:09
